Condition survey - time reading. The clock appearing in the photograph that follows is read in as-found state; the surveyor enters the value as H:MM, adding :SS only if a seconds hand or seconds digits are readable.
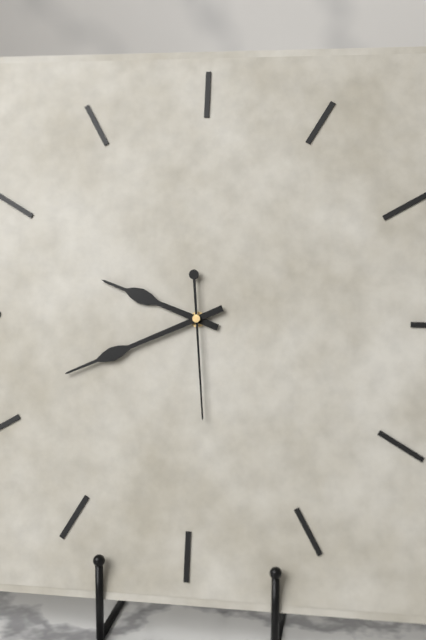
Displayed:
9:41:29
